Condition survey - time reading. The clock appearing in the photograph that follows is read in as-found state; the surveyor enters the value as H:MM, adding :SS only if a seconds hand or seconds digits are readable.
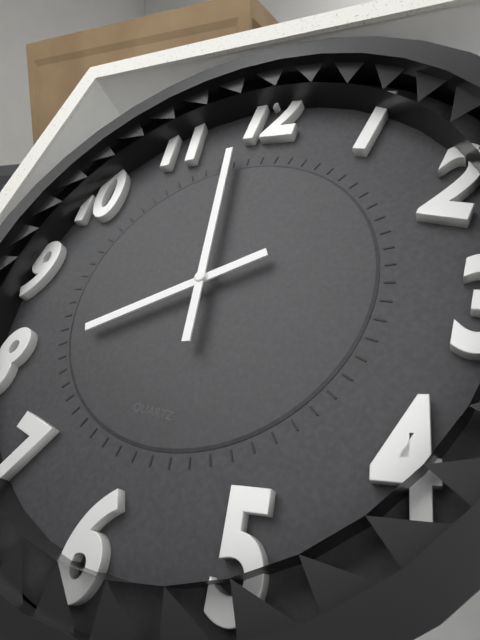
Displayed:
7:58
